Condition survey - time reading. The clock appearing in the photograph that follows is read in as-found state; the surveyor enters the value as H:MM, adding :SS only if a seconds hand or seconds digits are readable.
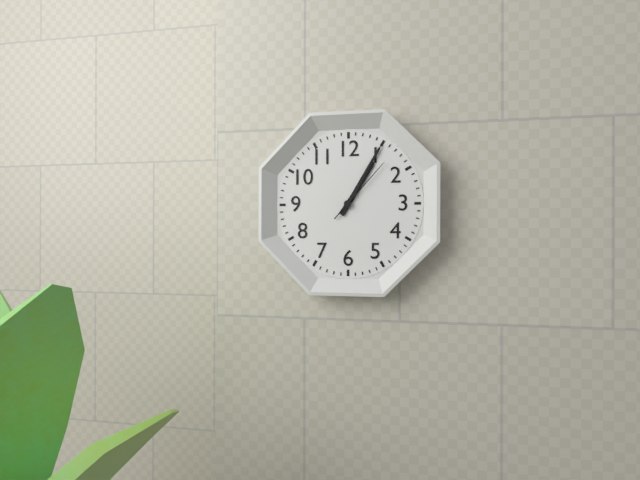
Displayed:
1:05:07
